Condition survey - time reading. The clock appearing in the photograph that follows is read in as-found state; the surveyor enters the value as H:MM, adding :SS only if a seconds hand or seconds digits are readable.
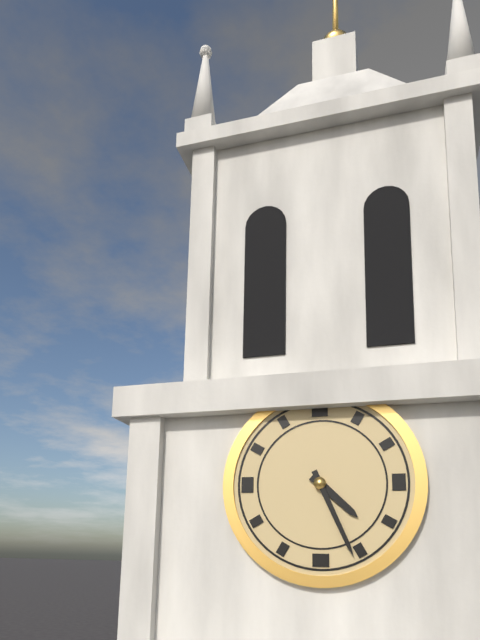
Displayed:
4:26
